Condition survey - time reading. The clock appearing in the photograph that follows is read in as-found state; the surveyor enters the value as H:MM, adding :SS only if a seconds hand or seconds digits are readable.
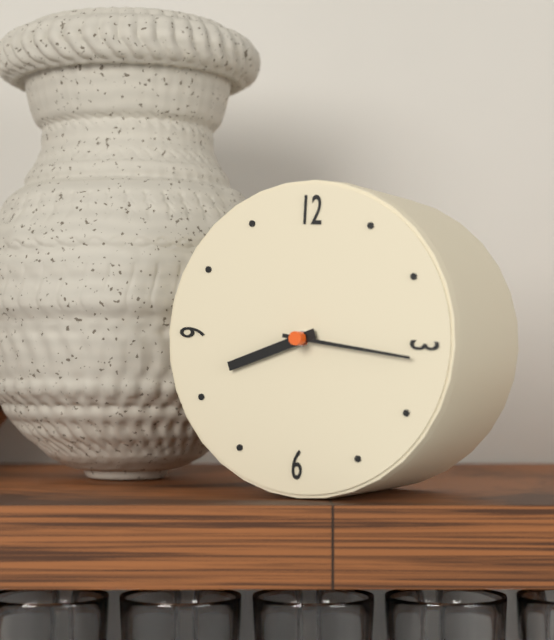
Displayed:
8:16
